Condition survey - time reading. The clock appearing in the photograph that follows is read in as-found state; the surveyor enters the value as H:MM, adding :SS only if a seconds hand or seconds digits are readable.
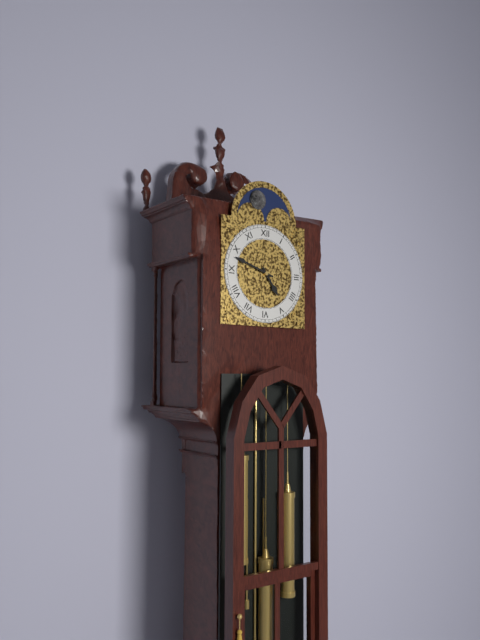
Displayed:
4:48
